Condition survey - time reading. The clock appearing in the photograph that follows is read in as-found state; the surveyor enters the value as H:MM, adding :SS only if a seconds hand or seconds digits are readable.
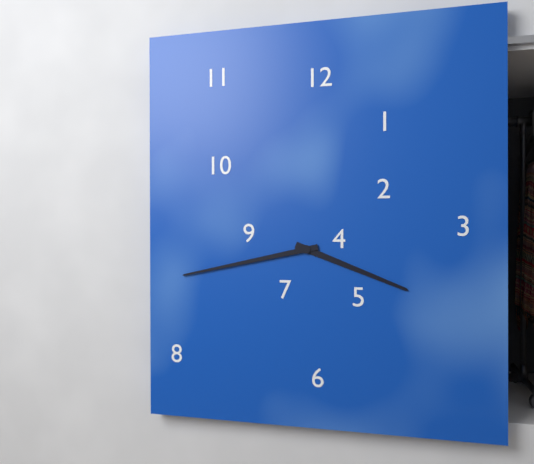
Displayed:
3:43
